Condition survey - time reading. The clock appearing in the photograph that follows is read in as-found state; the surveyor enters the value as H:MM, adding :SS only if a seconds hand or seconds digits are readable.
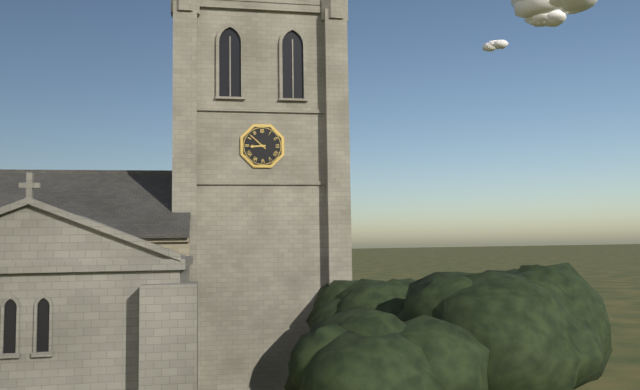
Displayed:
8:52
